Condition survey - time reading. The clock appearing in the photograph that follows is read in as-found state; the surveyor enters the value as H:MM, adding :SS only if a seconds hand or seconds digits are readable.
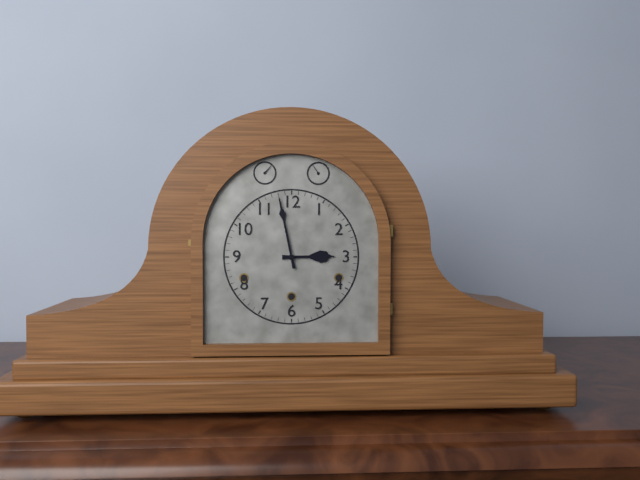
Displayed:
2:58
